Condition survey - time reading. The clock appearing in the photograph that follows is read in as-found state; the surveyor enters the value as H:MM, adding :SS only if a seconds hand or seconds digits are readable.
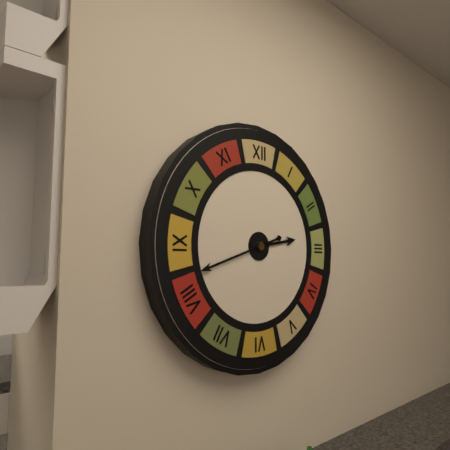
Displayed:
2:42
